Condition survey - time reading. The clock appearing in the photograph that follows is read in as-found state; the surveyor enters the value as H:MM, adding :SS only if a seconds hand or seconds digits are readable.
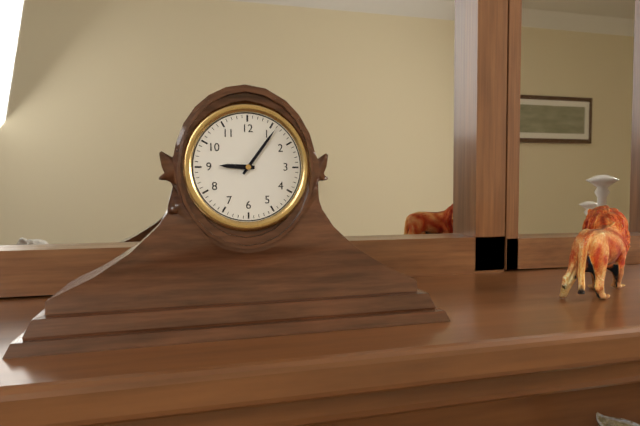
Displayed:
9:06
